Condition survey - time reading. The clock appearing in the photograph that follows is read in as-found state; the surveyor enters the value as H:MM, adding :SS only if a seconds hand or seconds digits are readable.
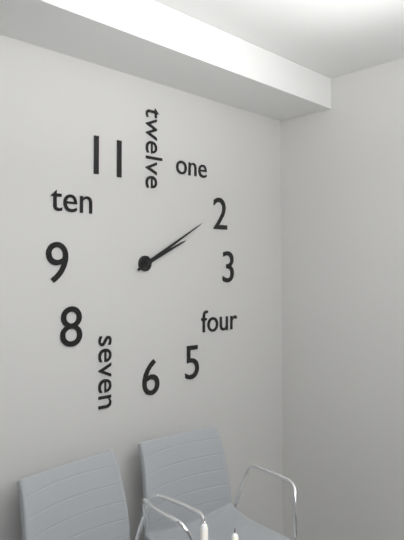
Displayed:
2:10
